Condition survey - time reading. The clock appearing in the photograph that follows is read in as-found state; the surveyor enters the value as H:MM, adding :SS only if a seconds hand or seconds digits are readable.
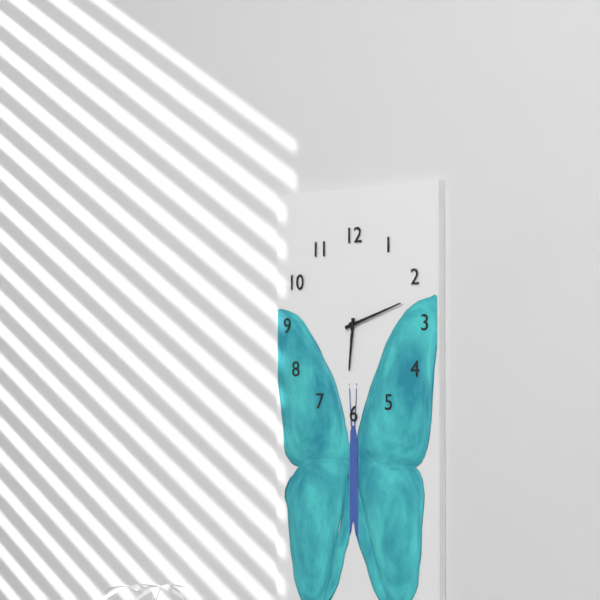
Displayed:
6:12
